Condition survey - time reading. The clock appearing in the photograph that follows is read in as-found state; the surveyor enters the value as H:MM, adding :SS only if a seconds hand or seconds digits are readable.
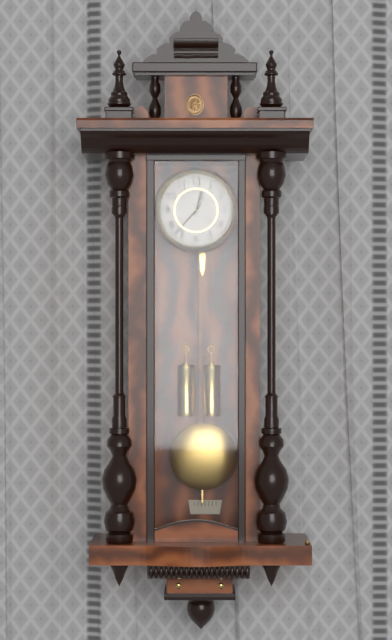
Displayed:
12:37
